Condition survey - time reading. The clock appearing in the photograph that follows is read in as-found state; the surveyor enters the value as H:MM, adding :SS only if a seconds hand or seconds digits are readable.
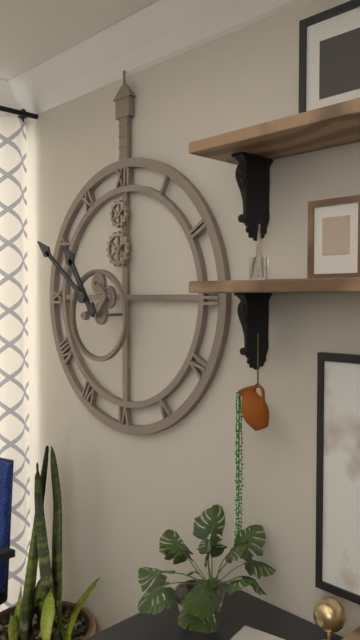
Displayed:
10:51
